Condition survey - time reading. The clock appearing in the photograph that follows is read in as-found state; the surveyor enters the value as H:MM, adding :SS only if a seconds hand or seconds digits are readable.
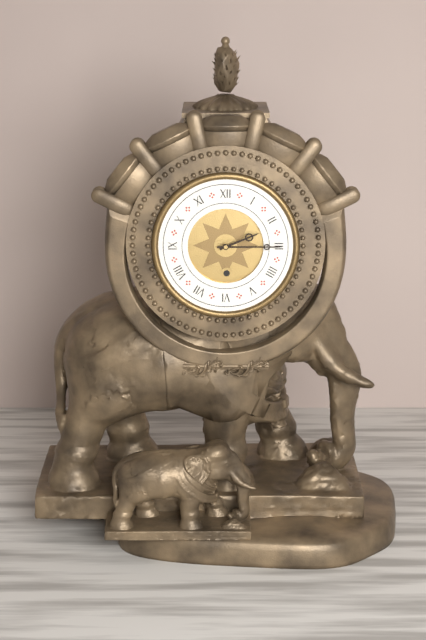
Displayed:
2:15
